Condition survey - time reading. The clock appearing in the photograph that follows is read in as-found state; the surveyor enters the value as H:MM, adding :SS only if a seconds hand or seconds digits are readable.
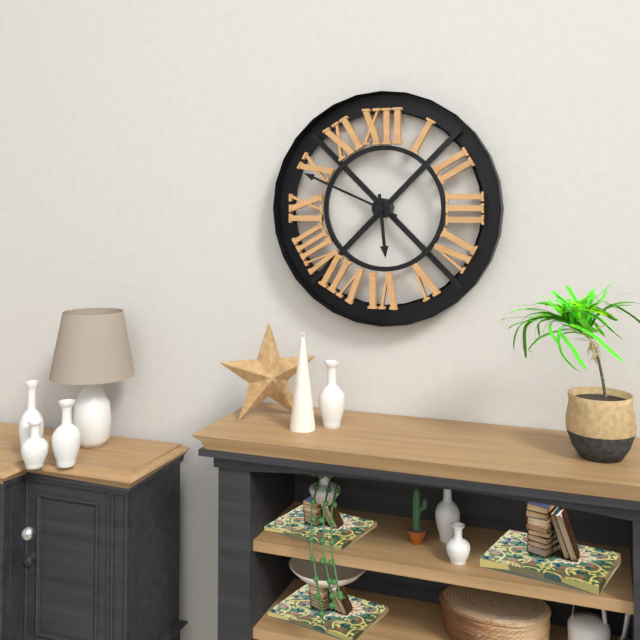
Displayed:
5:49
